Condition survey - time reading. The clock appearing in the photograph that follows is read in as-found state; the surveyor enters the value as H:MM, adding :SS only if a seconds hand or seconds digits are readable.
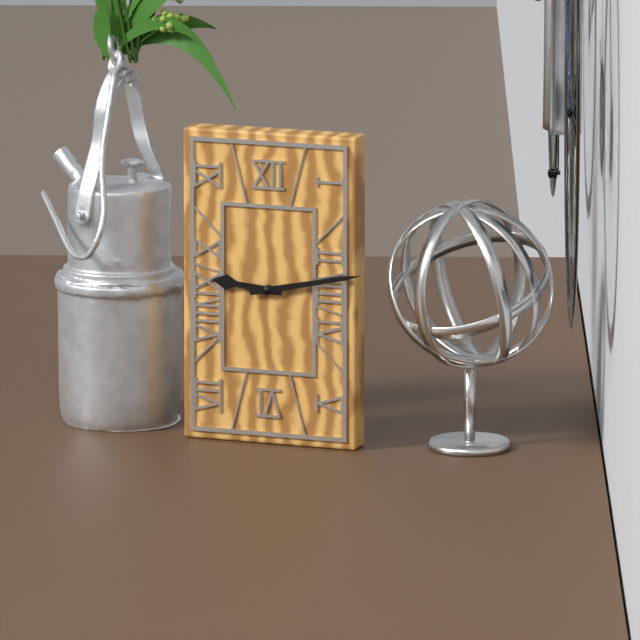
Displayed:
9:13
